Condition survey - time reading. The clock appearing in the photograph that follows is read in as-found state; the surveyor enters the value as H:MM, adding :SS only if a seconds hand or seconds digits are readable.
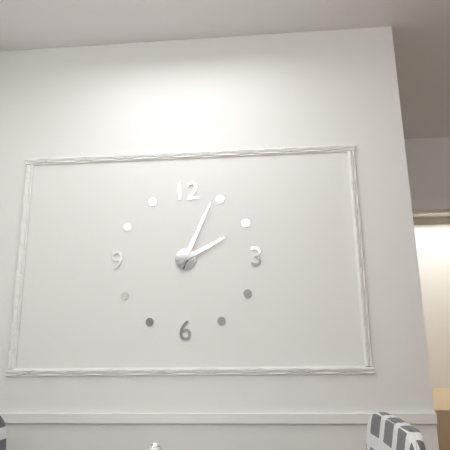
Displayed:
2:04
